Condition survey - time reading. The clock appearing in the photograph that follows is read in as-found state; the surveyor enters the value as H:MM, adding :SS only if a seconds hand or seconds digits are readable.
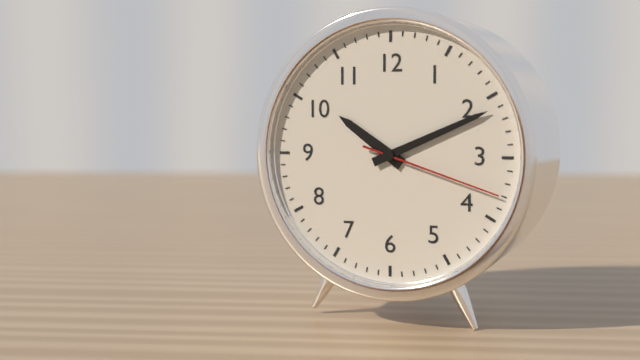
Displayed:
10:11:18
